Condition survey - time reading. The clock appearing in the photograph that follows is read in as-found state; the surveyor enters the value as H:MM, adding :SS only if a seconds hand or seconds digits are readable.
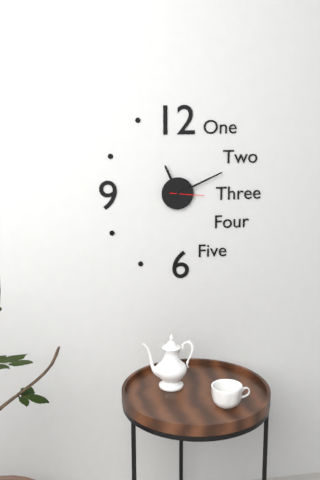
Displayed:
11:11
